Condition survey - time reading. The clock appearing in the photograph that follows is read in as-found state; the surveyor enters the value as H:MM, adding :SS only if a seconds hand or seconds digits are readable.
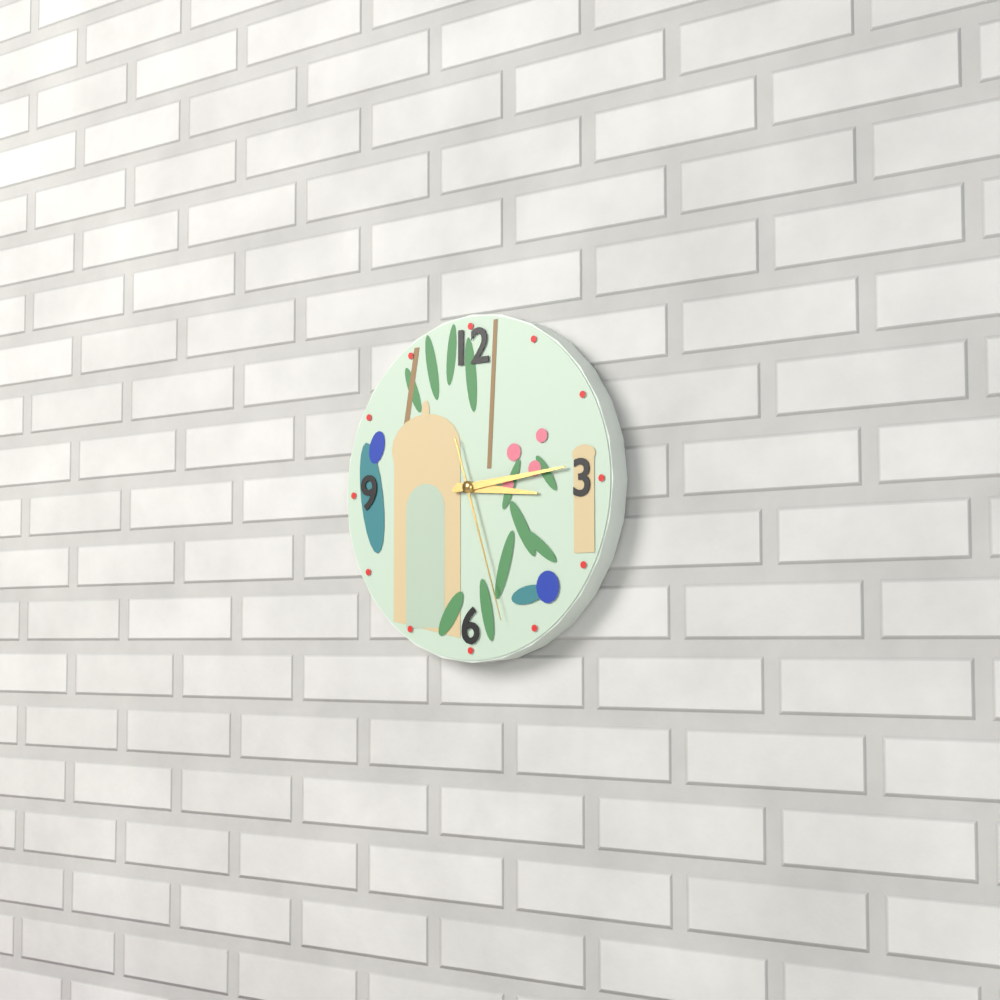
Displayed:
3:14:27
